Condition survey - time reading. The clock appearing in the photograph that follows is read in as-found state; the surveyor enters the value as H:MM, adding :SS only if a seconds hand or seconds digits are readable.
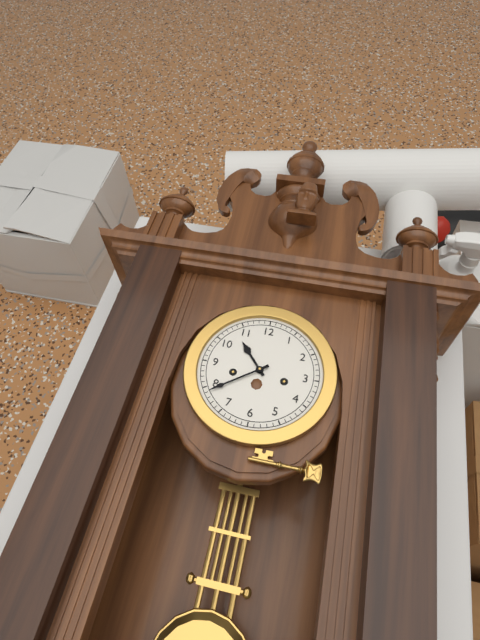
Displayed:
10:39
